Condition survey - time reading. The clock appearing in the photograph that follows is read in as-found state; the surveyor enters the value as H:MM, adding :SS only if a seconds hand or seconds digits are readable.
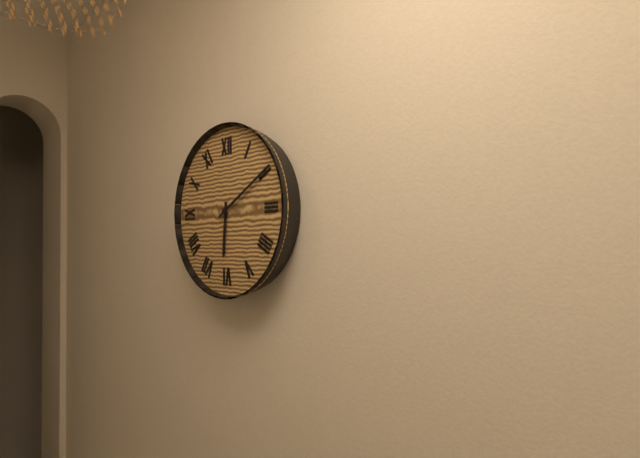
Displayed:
6:10
